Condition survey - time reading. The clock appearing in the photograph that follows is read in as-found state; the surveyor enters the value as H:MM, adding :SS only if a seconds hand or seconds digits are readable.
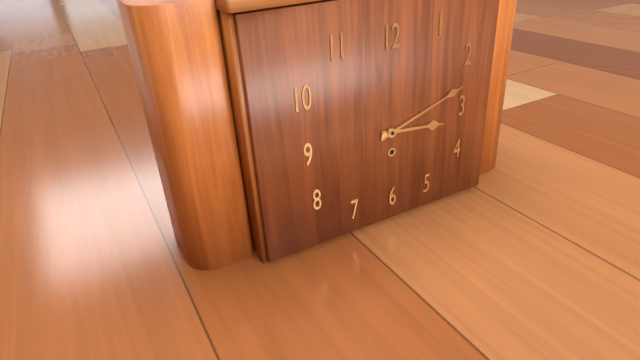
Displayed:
3:12
